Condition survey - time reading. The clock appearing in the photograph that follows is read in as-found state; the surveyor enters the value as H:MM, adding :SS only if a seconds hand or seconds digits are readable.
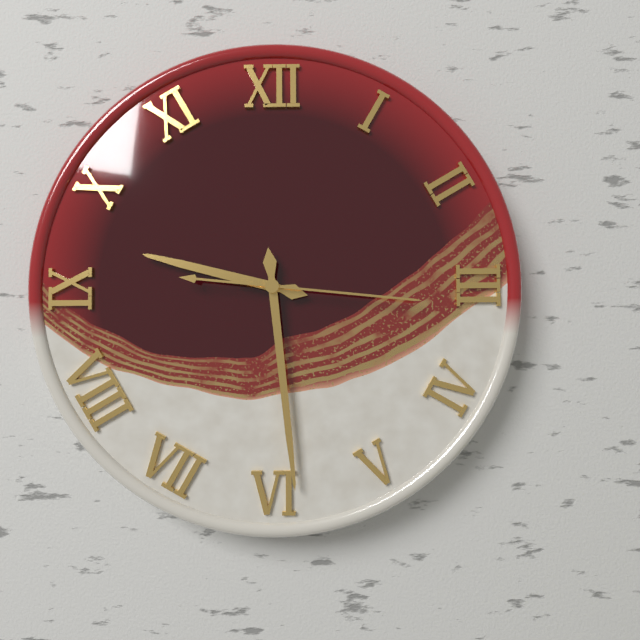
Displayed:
9:29:16
